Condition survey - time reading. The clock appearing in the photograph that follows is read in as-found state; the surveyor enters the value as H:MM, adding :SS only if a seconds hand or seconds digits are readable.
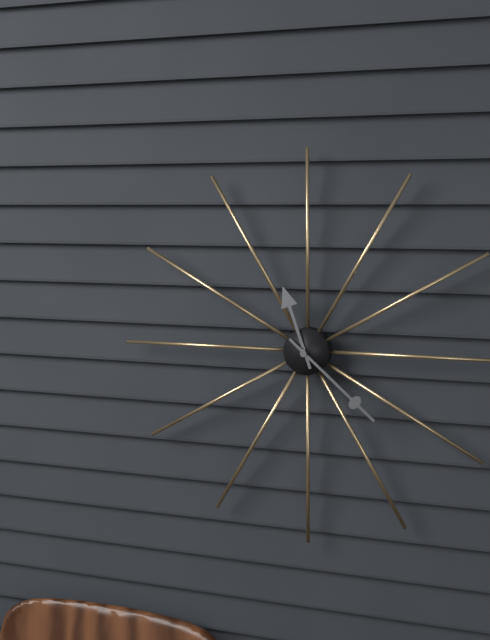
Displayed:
11:22
